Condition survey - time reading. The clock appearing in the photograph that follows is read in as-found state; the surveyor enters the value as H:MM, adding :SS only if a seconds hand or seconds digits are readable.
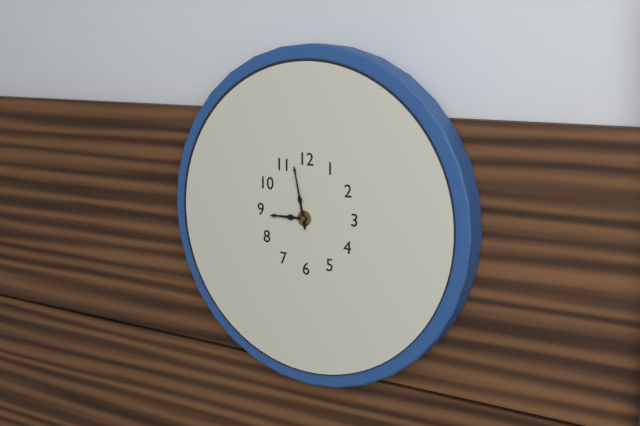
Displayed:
8:58
